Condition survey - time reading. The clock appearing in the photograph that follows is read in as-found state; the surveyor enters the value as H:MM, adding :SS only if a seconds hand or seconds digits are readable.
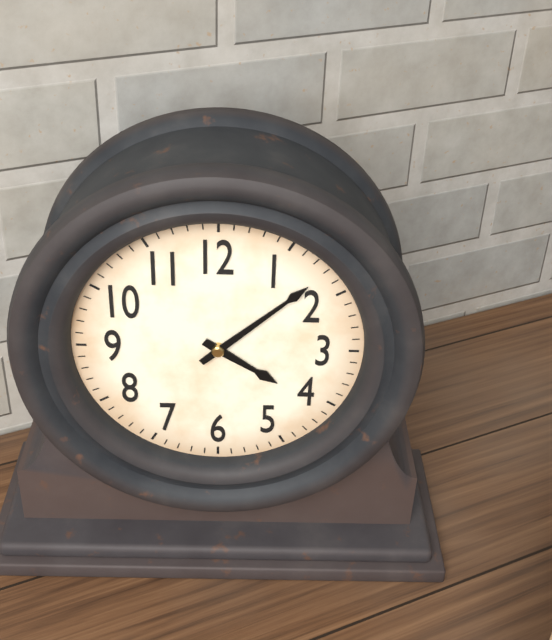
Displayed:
4:08
